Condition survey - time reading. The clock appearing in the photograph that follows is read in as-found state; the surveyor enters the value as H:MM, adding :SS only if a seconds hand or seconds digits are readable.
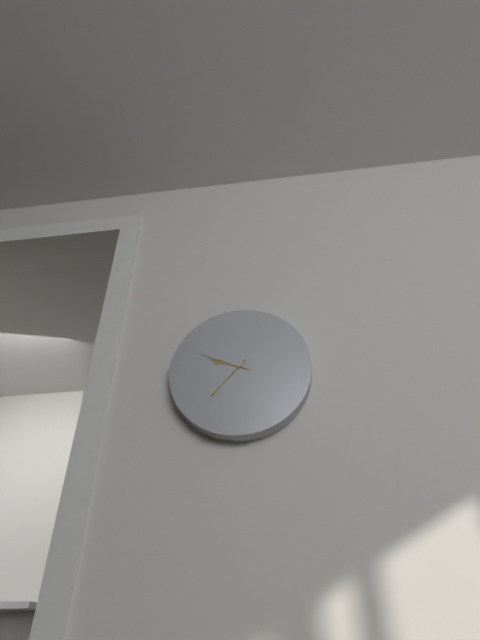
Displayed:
9:37:49
